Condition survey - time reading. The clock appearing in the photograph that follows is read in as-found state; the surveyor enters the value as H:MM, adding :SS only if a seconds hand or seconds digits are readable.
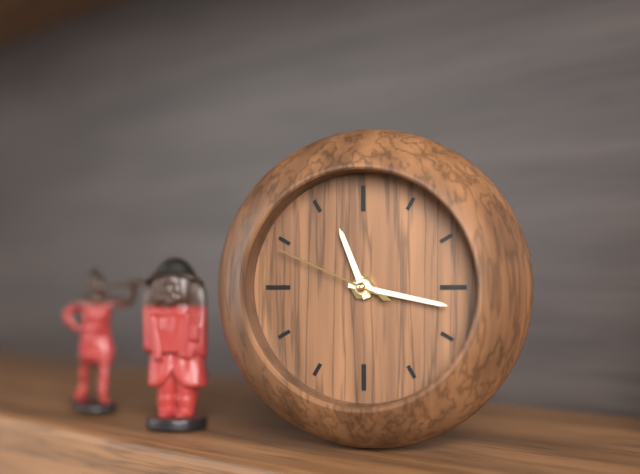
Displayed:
11:17:49
